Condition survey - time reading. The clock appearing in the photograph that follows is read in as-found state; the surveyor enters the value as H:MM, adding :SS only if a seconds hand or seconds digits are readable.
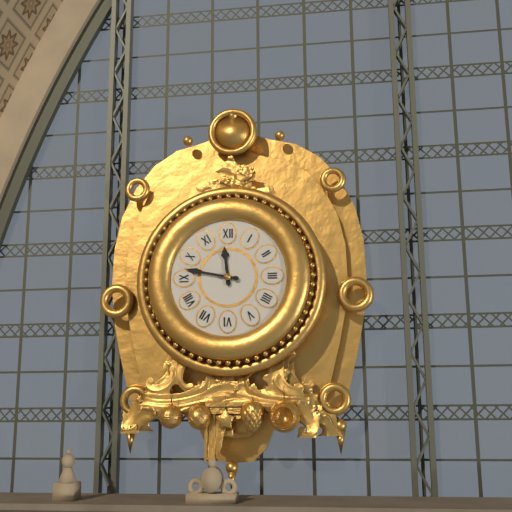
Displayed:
11:47
